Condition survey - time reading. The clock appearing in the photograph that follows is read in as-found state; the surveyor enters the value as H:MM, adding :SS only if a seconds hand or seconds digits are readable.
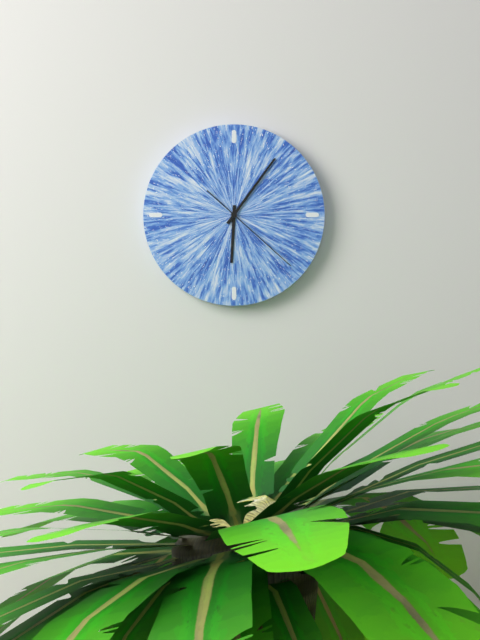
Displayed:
6:06:22
